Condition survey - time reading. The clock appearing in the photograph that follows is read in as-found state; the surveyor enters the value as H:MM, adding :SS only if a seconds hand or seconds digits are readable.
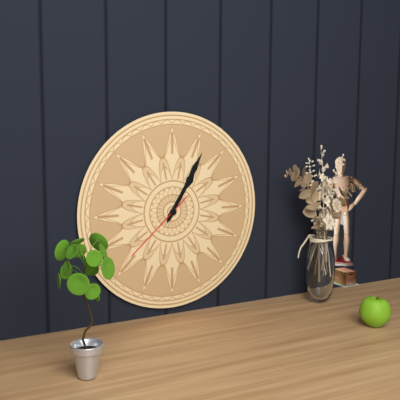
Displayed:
1:05:38
